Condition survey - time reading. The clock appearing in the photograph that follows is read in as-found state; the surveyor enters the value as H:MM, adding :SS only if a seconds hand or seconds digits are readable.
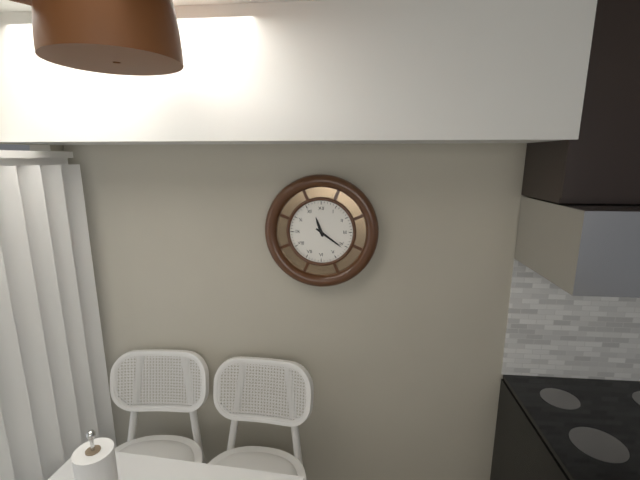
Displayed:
11:21
